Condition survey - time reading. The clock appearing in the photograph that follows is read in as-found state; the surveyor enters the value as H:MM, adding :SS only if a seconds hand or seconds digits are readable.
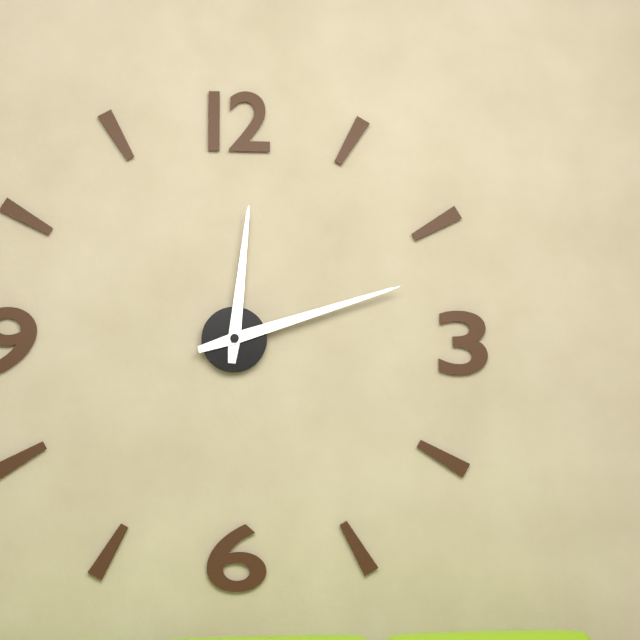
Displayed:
12:12
